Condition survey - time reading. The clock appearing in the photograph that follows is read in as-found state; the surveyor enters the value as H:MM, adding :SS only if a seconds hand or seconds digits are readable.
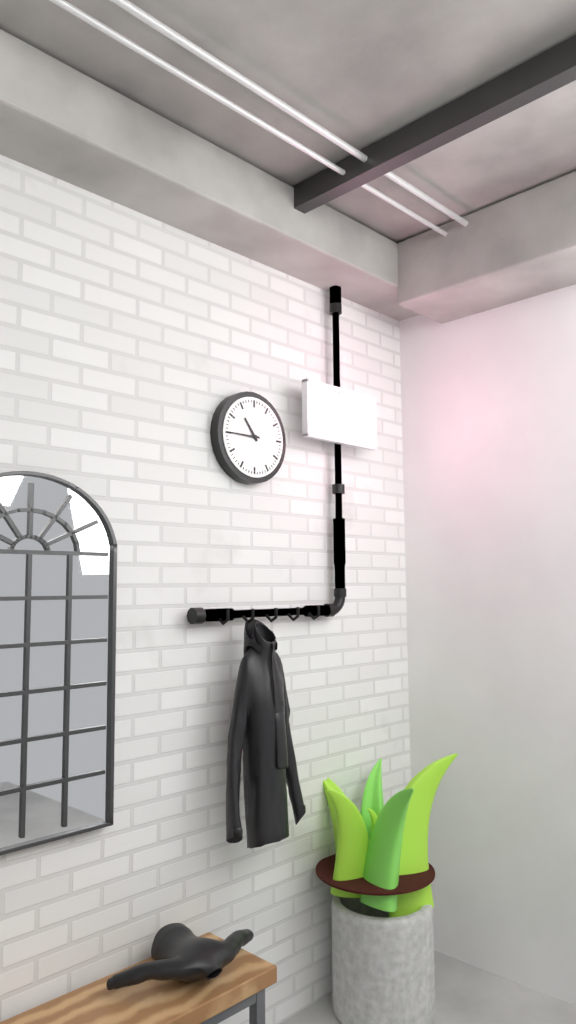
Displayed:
10:45
